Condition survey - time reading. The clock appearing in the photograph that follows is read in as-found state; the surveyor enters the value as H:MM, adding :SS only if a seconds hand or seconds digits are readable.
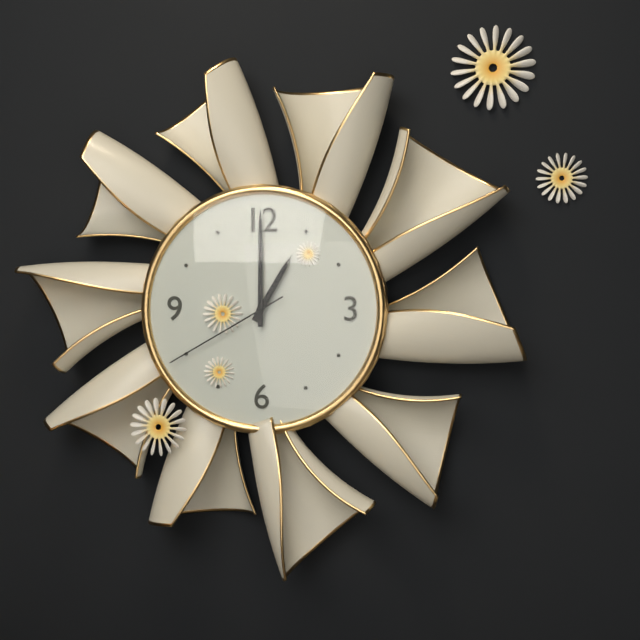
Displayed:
1:00:40
